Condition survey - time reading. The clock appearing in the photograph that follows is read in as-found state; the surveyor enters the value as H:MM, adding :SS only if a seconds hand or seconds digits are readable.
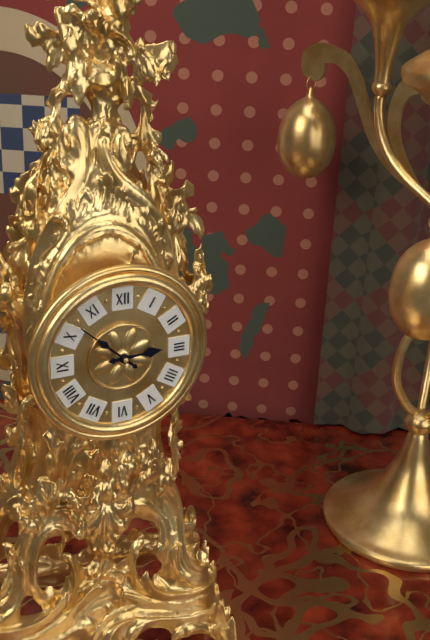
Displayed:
2:52
